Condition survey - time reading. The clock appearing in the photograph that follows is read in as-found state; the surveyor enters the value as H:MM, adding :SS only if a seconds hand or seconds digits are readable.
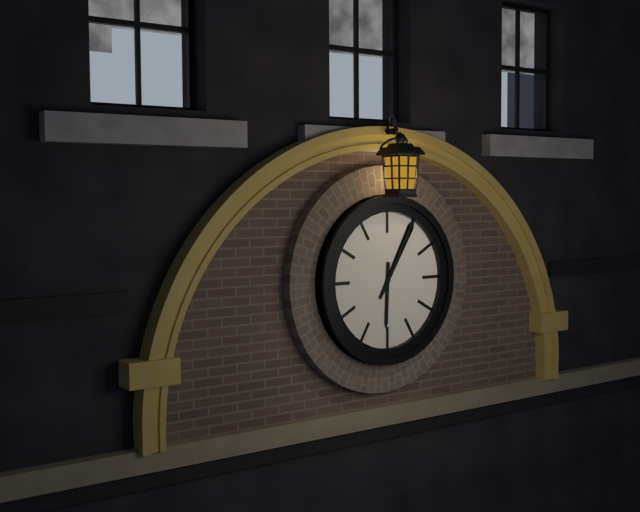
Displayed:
6:05
